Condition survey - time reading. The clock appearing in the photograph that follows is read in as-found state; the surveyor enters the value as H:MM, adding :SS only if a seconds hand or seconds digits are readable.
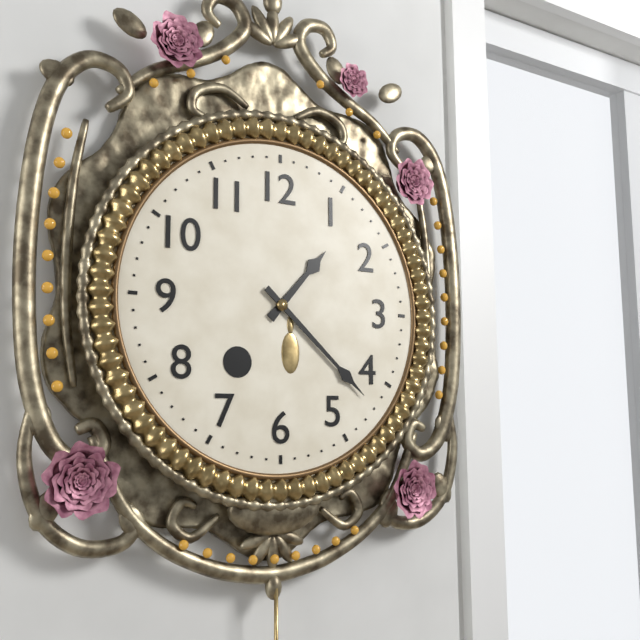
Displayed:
1:22
